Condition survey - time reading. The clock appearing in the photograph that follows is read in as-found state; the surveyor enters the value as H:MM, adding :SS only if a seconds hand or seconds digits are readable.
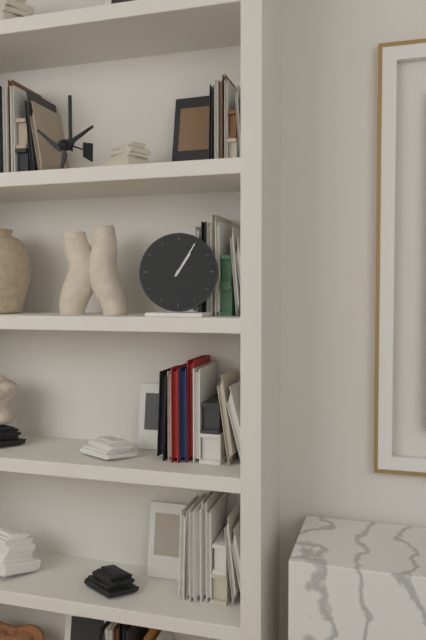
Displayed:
1:05
